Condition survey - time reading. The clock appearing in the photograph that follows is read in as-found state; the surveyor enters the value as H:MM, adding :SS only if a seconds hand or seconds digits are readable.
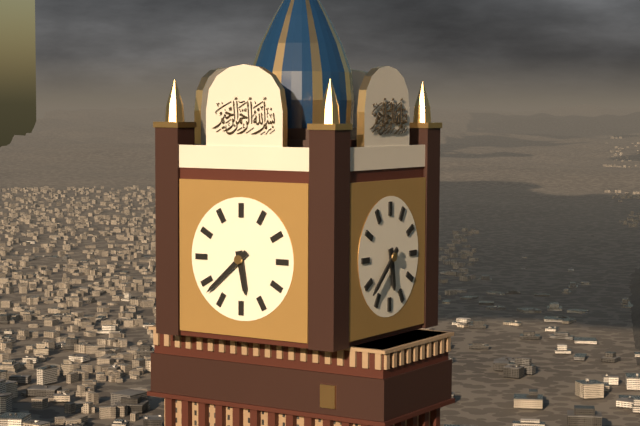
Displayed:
5:38
